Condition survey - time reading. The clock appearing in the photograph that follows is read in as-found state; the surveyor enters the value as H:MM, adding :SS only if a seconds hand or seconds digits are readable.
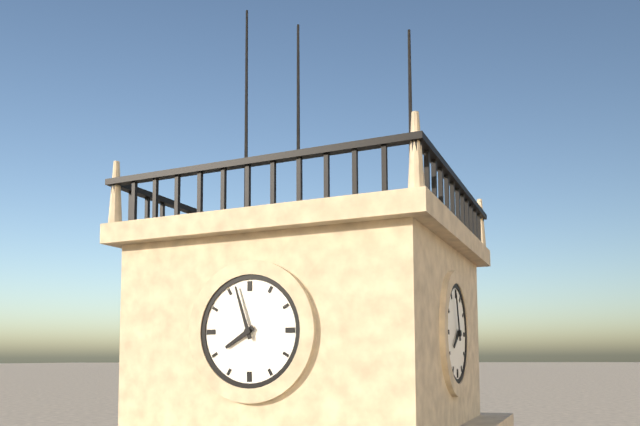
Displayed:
7:57
